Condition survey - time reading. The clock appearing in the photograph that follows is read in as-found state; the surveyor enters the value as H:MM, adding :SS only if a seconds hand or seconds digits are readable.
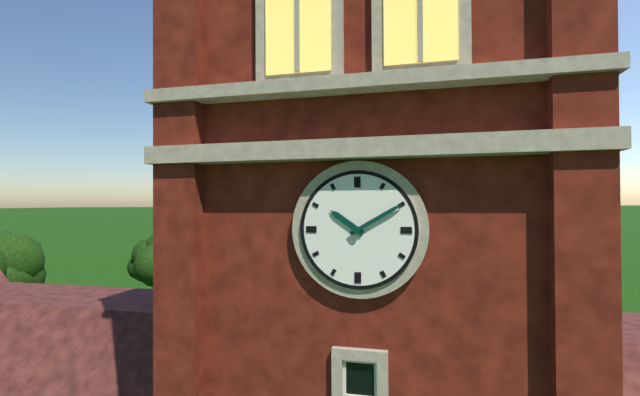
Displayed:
10:10
